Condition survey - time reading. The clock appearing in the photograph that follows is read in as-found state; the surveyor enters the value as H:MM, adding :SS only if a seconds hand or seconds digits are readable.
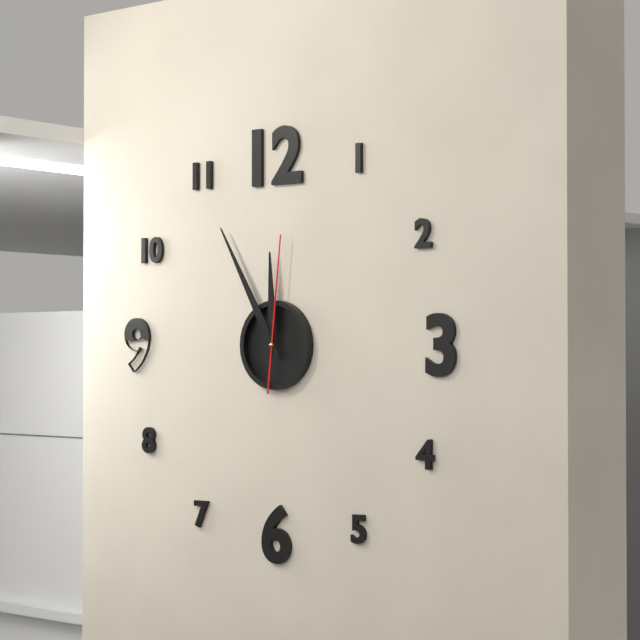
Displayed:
11:55:01
